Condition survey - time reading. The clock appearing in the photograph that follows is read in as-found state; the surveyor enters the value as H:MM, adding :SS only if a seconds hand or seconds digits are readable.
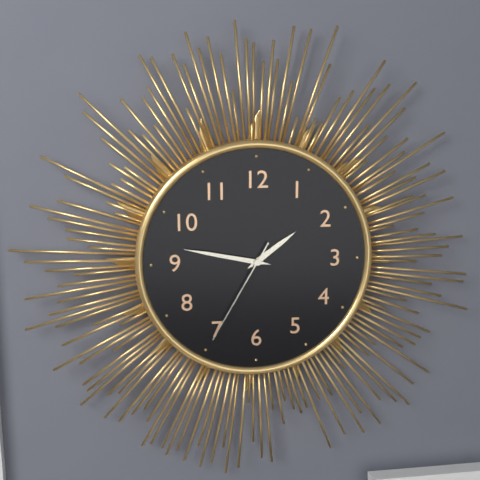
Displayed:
1:47:35
